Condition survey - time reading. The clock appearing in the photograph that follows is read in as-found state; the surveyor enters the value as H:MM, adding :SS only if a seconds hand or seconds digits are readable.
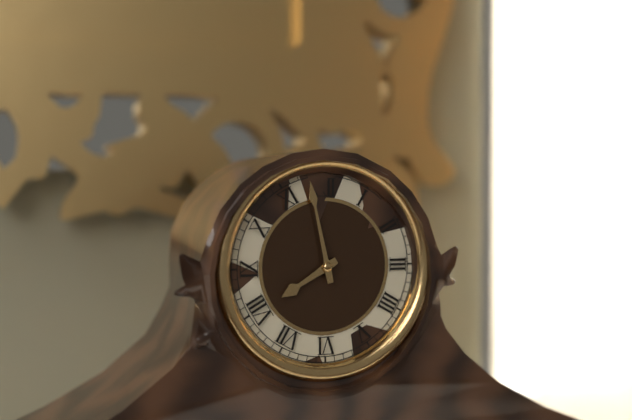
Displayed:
7:58
